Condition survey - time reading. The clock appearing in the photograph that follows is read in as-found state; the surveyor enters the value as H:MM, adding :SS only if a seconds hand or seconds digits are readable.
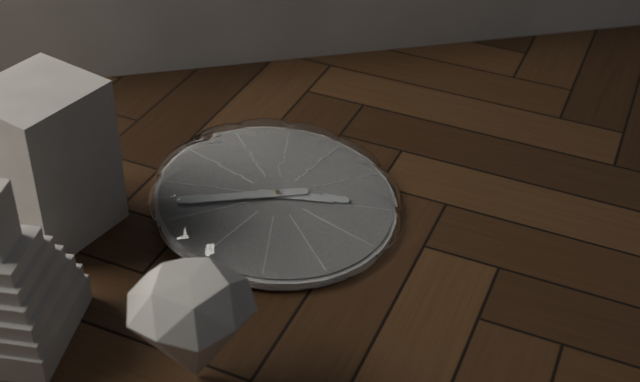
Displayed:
4:52
